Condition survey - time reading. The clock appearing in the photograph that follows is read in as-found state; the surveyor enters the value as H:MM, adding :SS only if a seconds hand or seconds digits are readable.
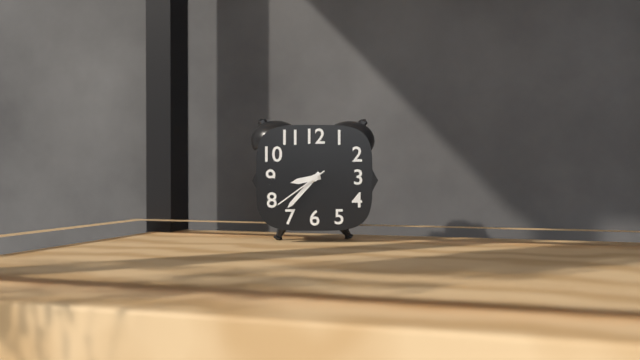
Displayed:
8:37:39
